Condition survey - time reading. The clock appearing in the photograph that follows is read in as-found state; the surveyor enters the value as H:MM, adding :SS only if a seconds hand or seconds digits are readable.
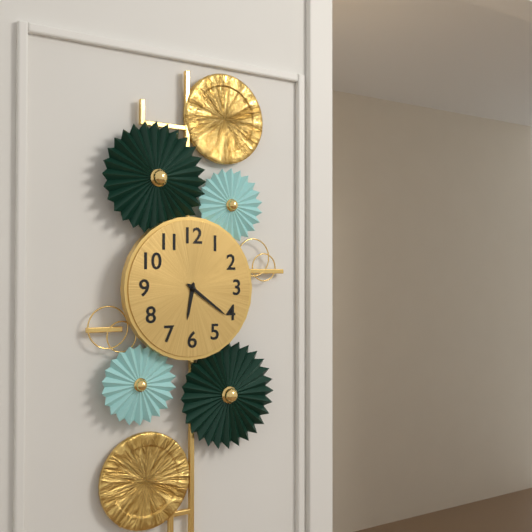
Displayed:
6:21
